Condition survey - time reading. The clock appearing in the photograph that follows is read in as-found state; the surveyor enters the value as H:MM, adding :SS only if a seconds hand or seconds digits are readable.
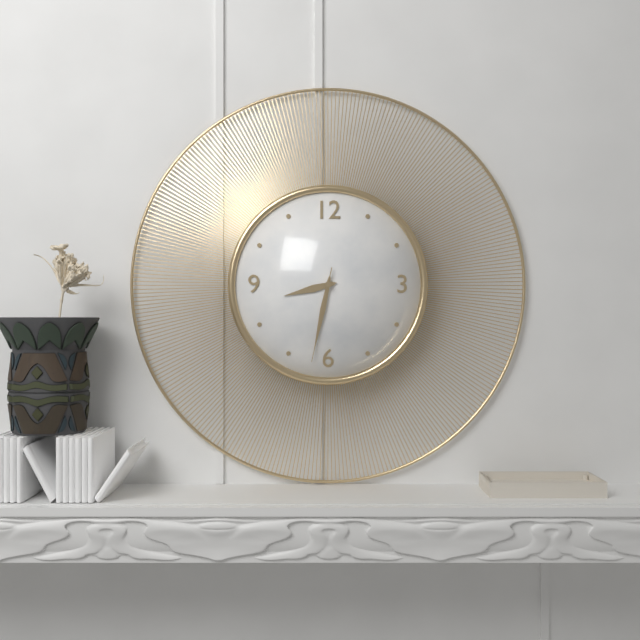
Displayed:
8:32:32
